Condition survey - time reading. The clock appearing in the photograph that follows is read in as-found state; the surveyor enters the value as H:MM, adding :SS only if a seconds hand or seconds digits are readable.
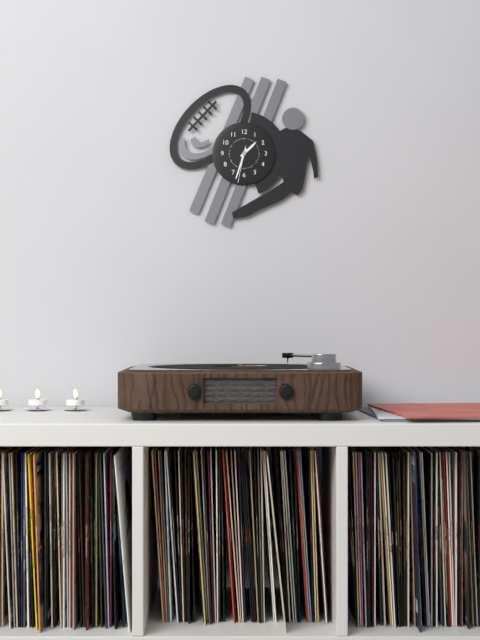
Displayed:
1:33
